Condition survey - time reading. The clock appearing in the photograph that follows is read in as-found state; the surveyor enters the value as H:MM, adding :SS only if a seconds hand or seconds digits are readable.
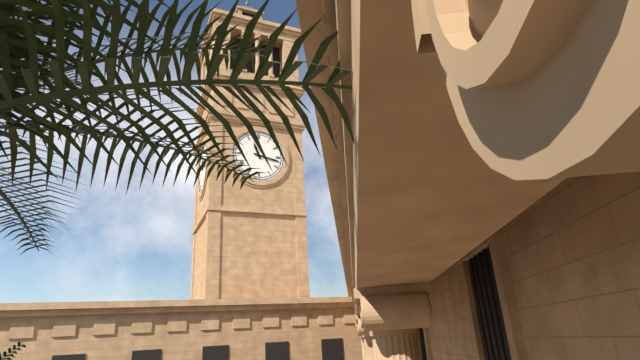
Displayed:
11:17
